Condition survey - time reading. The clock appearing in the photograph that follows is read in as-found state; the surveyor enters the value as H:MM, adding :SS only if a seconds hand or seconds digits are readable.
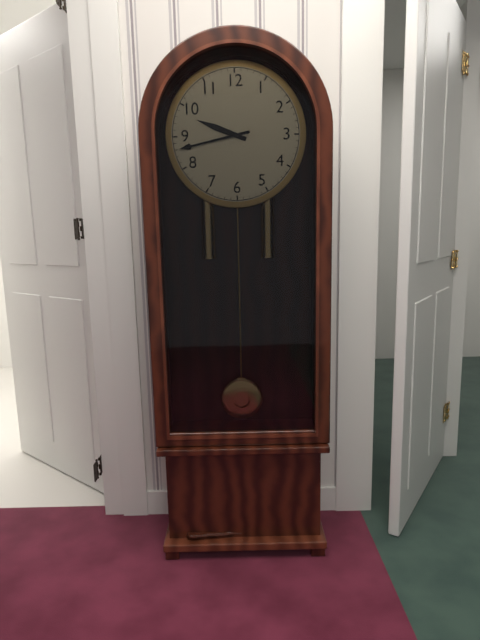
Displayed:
9:43
